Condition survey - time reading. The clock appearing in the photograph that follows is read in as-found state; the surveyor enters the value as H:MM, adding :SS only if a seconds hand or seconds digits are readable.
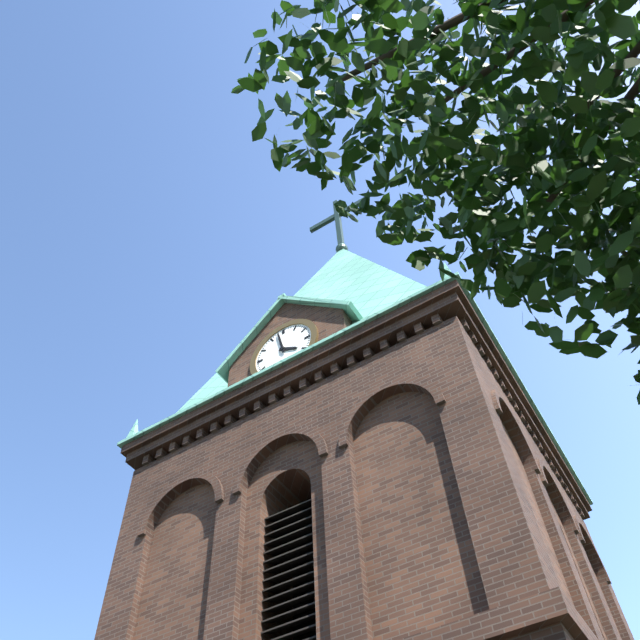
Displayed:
3:58
